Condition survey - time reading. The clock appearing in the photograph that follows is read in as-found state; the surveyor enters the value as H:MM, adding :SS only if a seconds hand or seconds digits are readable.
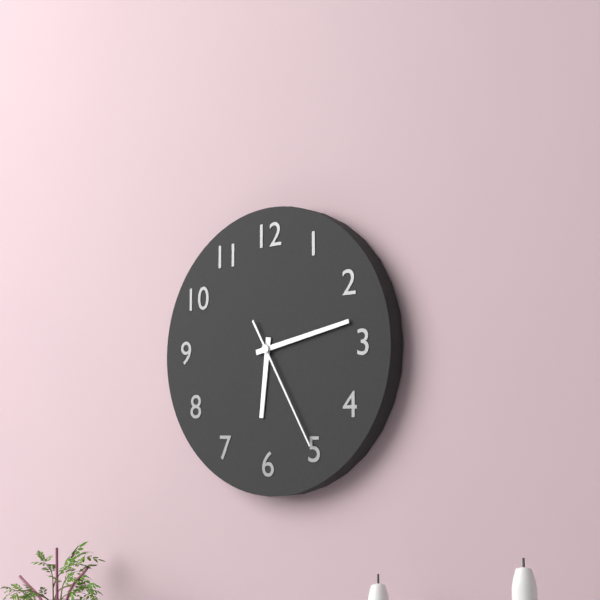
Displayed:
6:13:25
